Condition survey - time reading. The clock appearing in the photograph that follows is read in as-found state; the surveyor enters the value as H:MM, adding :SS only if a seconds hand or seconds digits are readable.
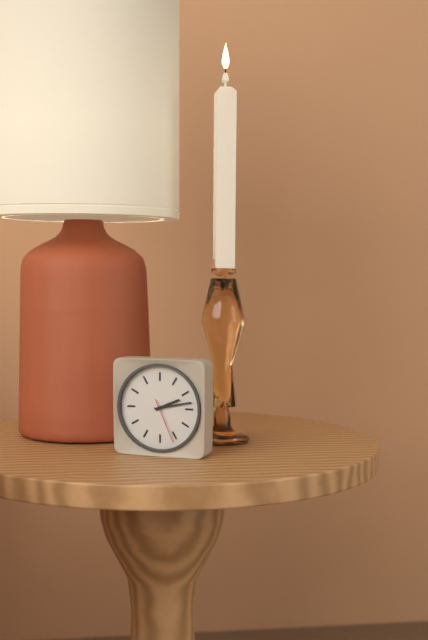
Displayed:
2:13
